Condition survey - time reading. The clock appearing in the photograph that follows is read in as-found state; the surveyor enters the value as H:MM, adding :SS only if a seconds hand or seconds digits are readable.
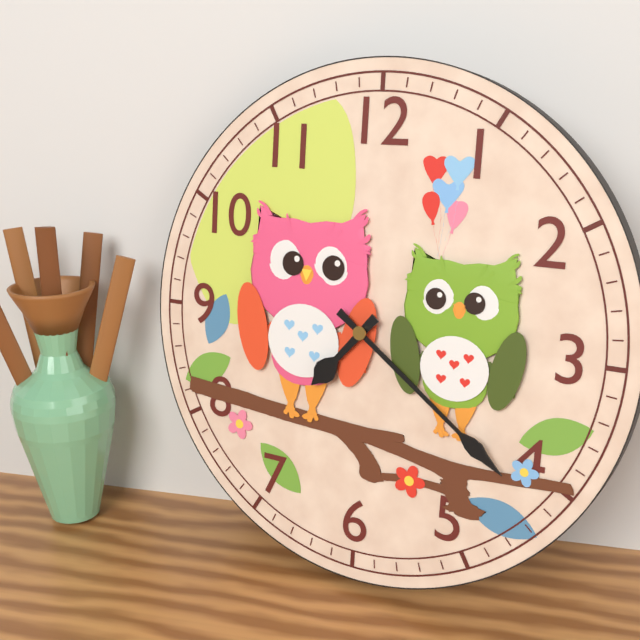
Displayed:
7:21
